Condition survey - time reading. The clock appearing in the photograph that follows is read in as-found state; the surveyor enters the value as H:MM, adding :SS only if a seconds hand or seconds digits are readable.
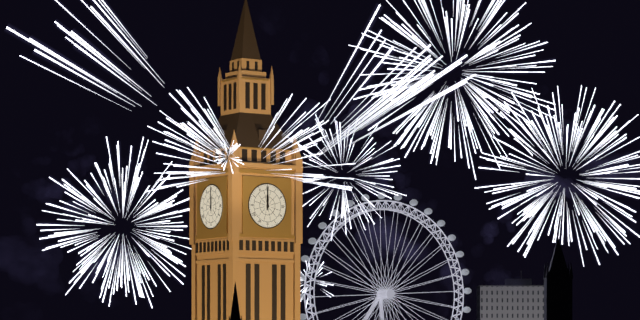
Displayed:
12:00
